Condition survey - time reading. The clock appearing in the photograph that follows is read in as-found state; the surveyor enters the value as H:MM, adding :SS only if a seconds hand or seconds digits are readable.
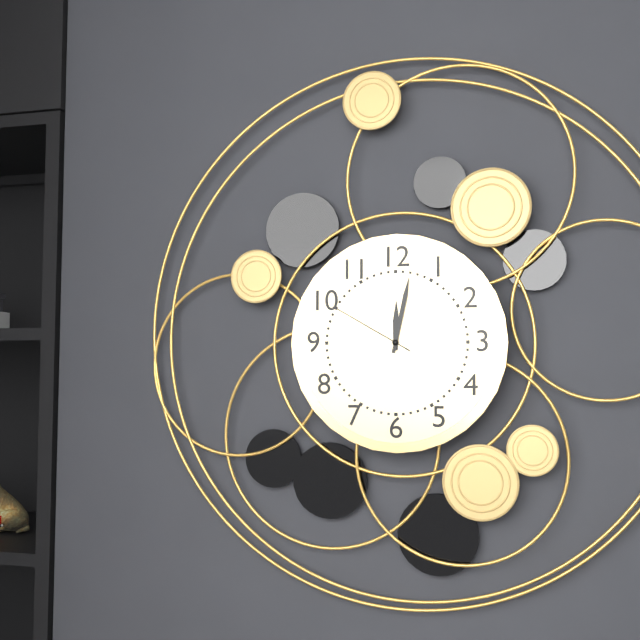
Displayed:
12:02:50
